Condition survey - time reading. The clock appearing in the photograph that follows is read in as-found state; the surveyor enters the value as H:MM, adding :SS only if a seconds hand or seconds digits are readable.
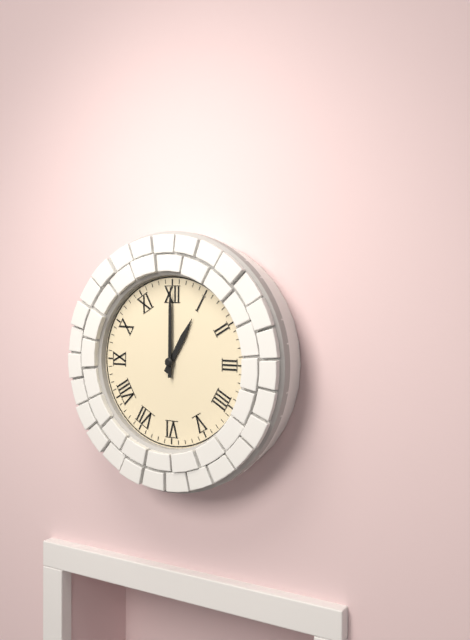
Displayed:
1:00
